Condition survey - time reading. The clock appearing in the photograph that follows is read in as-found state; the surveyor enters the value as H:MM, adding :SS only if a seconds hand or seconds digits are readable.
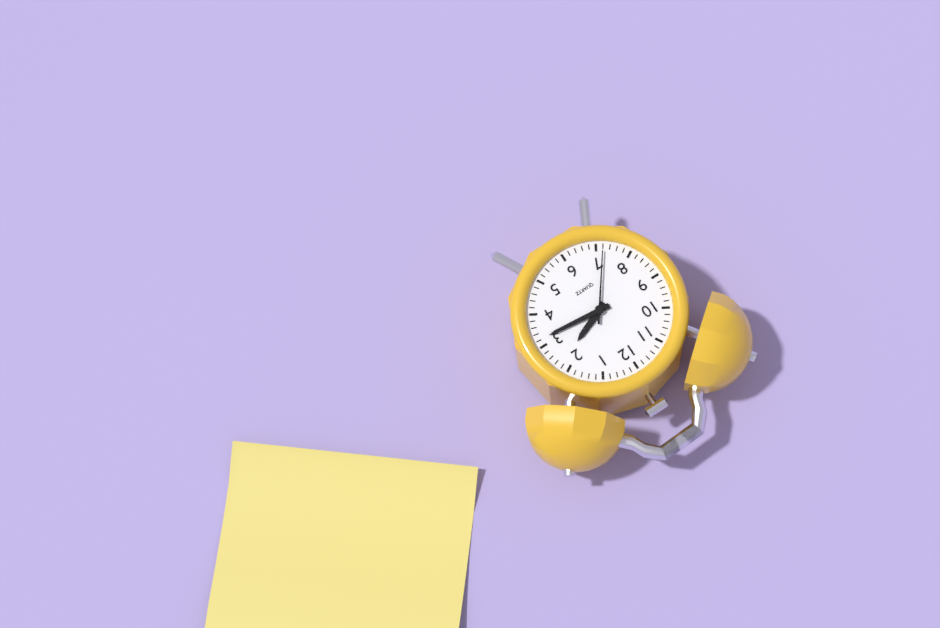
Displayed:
2:16:36
